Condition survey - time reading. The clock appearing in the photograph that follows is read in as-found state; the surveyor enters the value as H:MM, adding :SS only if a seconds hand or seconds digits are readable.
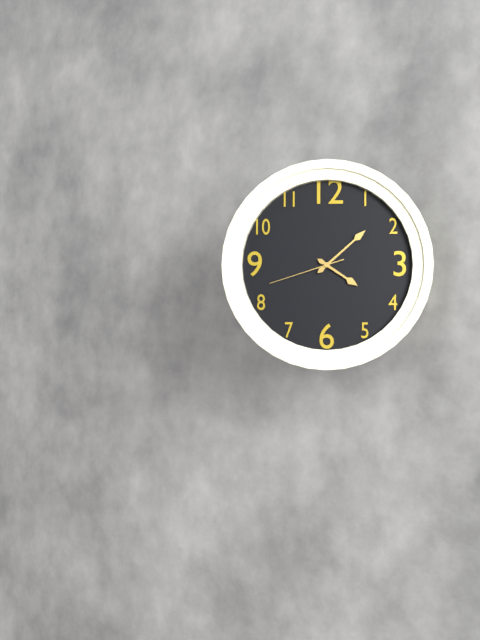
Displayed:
4:08:42
